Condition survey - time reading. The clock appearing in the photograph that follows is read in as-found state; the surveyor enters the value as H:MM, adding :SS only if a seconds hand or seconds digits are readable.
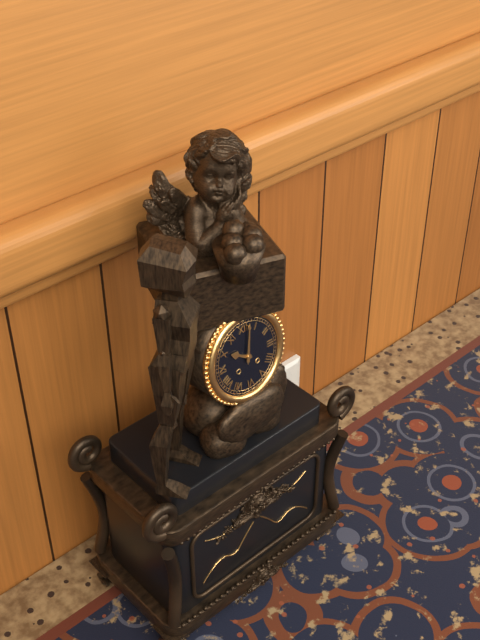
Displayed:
10:02
